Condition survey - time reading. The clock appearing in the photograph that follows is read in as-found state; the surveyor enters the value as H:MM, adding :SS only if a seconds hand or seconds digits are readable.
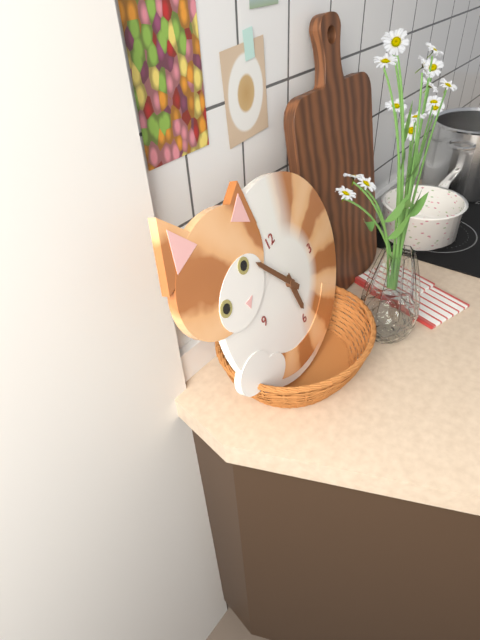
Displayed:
5:55
